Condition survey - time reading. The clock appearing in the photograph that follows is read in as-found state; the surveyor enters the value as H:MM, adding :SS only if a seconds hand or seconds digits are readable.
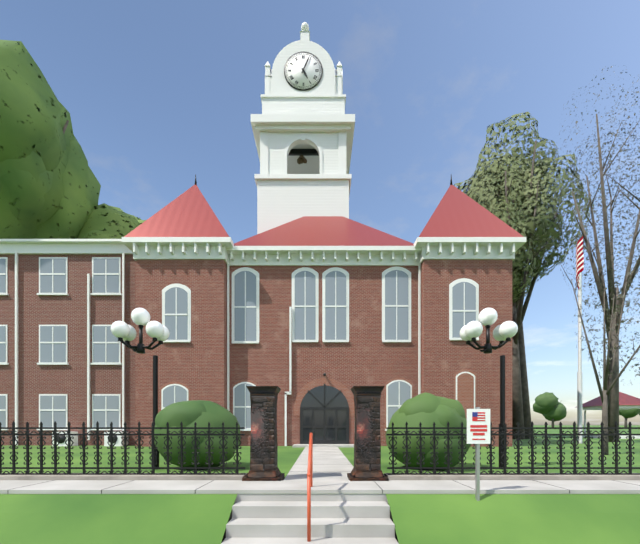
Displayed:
5:04
